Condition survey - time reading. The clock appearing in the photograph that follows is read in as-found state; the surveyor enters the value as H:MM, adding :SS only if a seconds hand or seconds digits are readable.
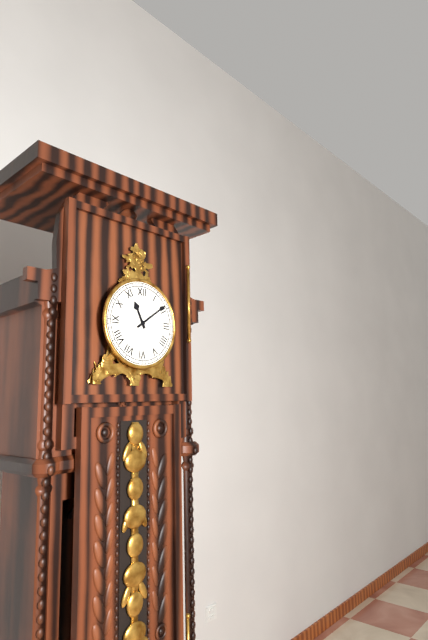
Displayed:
11:09
